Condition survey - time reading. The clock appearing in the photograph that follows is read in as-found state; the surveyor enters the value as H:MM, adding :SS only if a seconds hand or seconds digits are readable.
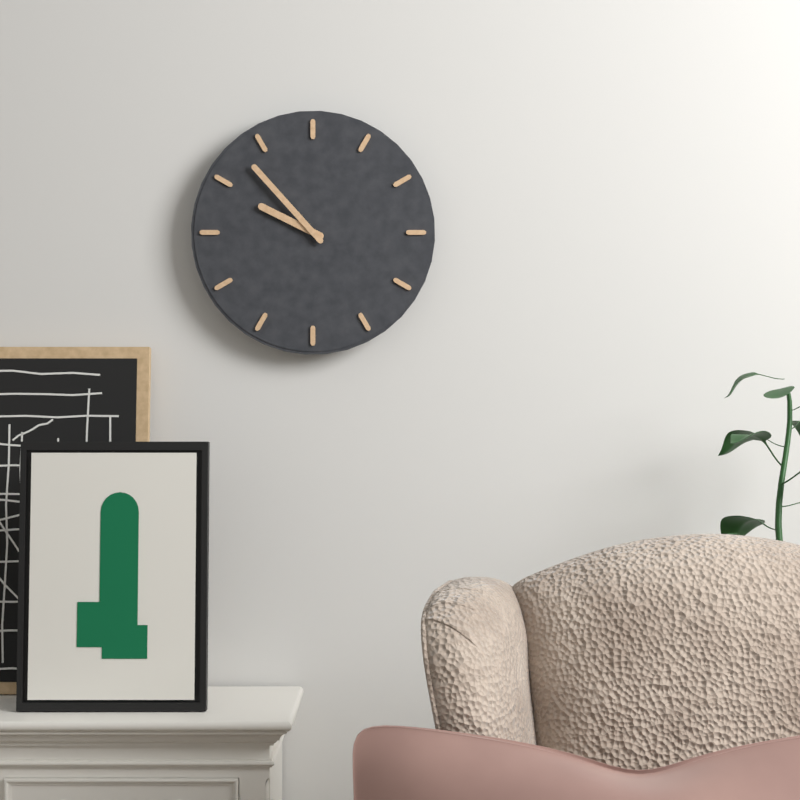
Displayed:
9:53
